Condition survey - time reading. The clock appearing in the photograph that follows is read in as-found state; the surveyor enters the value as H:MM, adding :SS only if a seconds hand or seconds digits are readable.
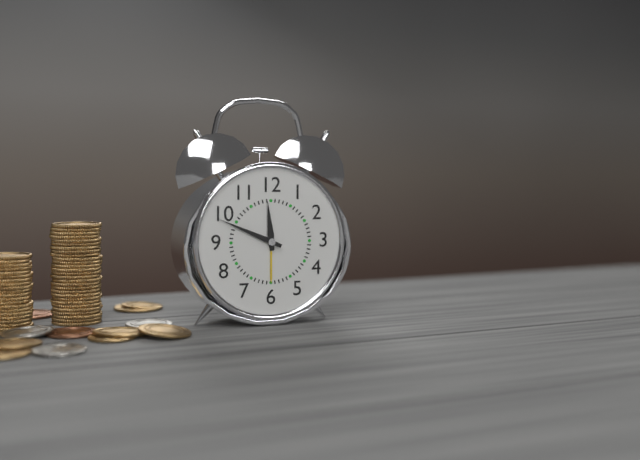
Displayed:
11:49
